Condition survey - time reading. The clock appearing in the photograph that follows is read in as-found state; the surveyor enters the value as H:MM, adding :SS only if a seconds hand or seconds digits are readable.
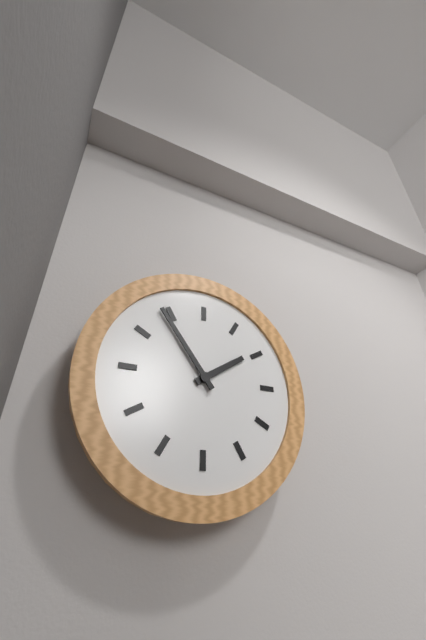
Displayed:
1:54
